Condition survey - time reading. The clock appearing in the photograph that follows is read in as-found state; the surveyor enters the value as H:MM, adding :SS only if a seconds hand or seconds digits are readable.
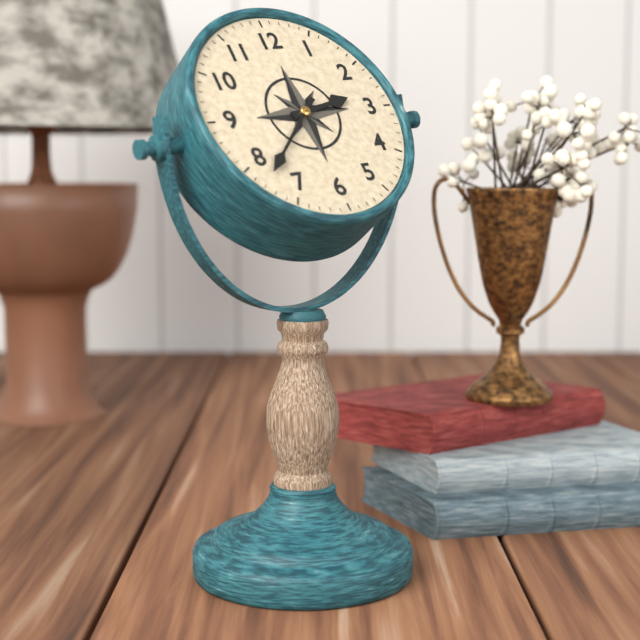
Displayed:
2:38
